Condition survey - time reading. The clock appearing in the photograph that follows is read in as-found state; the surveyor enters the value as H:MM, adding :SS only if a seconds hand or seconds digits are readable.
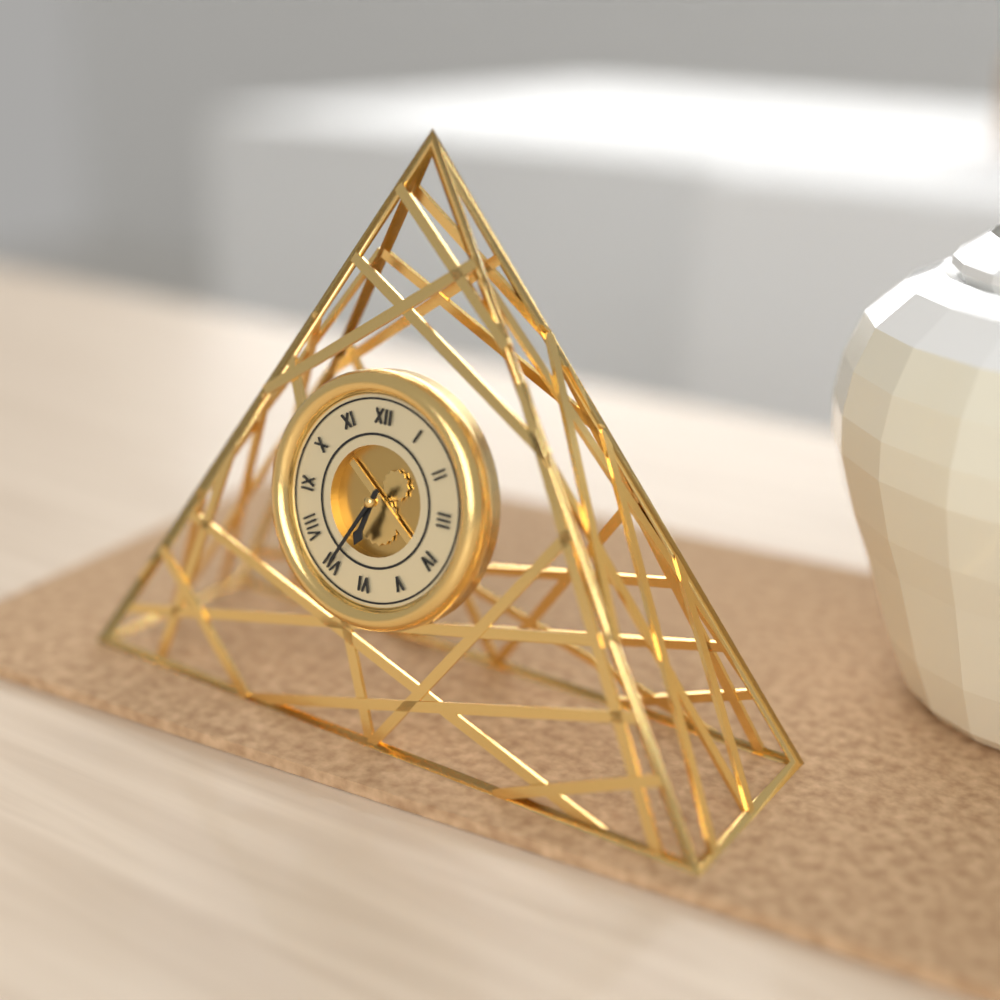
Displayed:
6:35
